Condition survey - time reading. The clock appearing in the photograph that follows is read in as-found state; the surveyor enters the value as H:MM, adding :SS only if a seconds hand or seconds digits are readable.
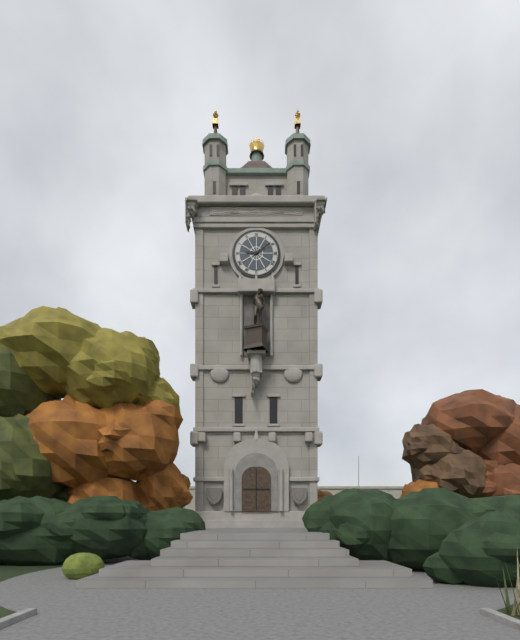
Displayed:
9:09
